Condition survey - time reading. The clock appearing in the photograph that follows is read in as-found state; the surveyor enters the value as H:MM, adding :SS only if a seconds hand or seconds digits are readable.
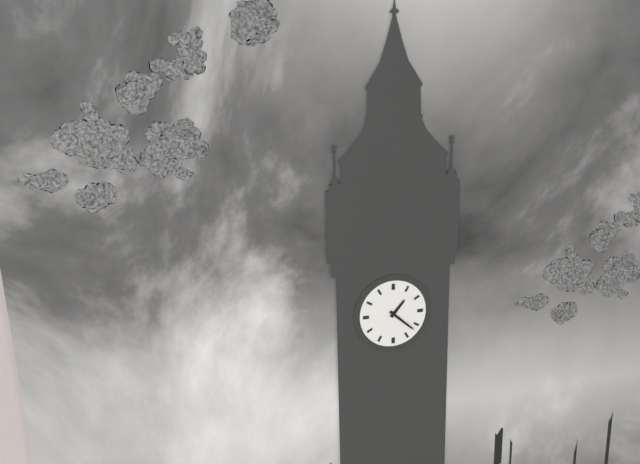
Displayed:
1:22
